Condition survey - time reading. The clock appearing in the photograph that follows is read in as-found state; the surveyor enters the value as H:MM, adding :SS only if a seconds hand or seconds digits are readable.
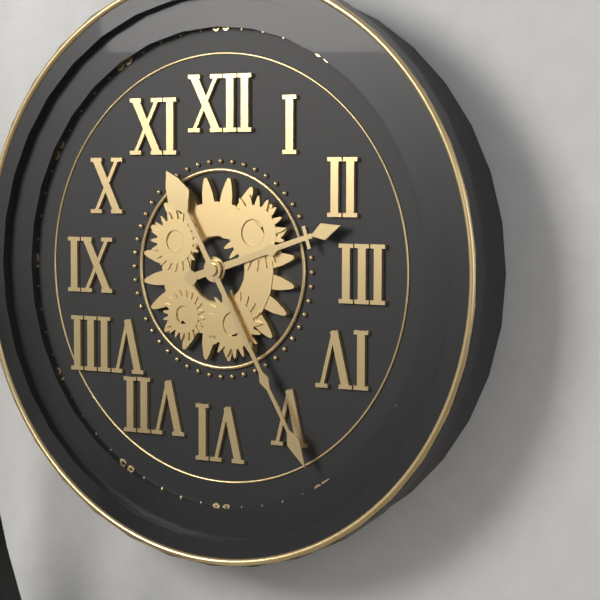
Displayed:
2:25
